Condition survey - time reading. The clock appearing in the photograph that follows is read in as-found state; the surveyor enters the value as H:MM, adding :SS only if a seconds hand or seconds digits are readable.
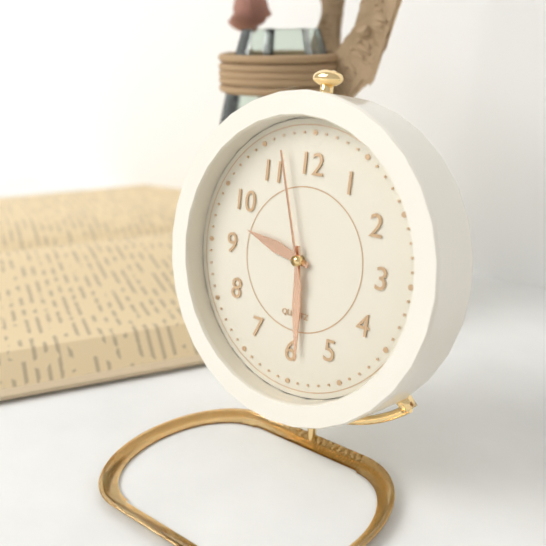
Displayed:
9:29:57
